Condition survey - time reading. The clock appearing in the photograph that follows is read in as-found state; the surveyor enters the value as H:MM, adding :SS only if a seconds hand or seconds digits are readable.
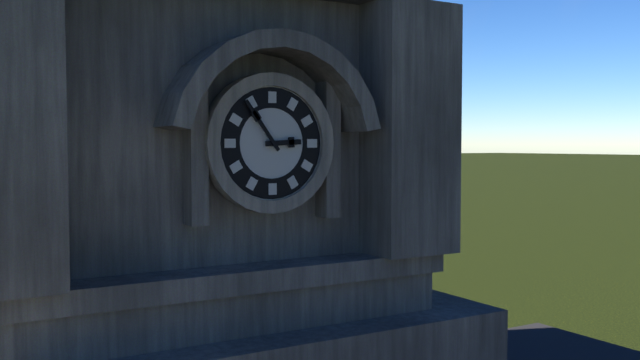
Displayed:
2:54
